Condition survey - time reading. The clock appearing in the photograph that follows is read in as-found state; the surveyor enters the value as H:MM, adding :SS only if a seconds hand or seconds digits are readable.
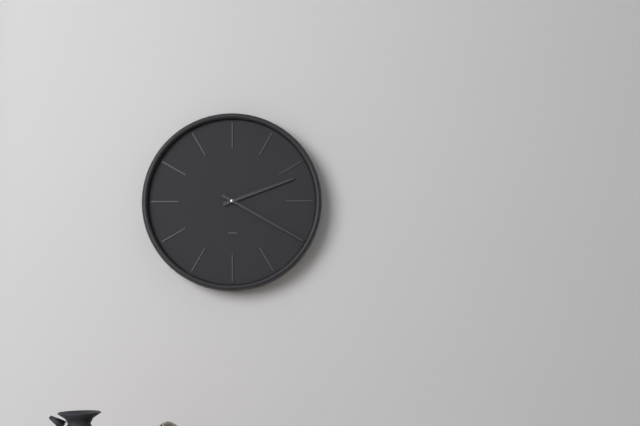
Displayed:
2:20
